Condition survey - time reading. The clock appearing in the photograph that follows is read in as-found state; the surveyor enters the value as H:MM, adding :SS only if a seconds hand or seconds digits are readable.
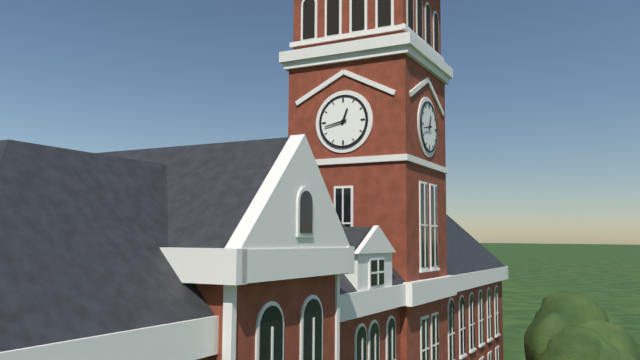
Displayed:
12:43
